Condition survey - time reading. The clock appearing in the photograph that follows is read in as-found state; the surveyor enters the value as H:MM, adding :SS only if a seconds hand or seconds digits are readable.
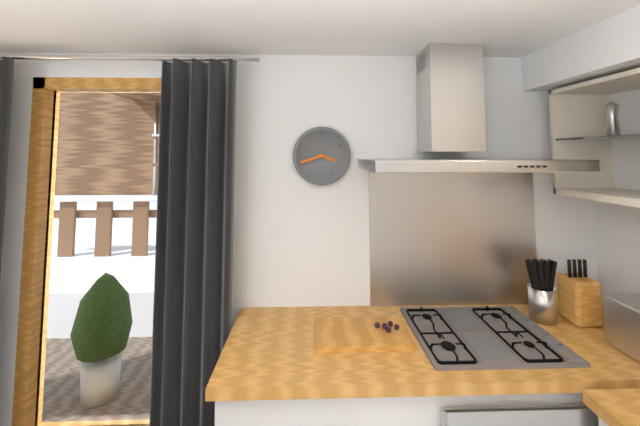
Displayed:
3:42
